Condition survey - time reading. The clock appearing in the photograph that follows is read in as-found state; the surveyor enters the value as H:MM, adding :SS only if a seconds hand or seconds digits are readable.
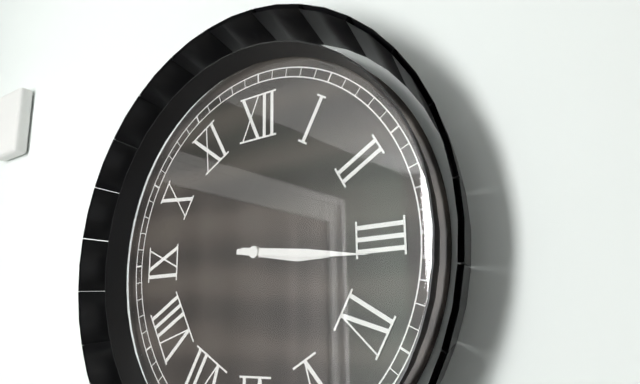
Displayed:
3:16
